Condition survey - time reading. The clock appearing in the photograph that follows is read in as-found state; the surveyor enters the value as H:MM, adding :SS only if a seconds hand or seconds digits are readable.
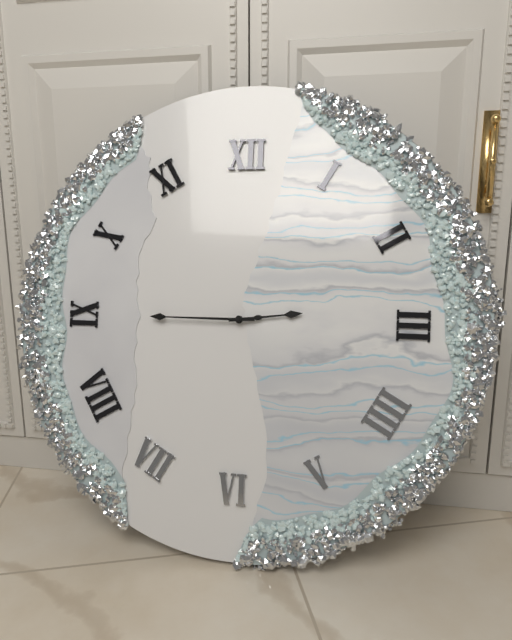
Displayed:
2:45
